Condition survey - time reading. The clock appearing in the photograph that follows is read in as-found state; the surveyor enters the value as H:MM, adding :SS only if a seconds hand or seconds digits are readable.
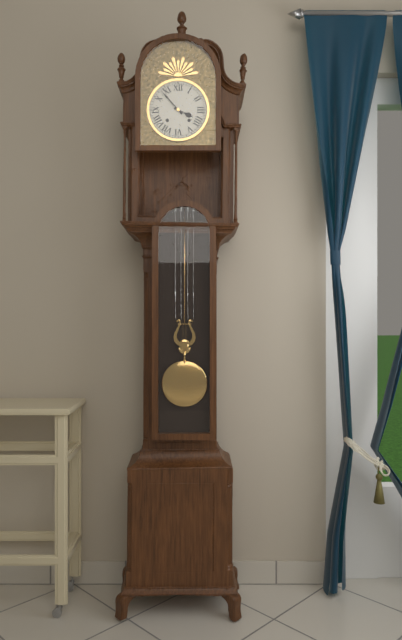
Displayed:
3:53
